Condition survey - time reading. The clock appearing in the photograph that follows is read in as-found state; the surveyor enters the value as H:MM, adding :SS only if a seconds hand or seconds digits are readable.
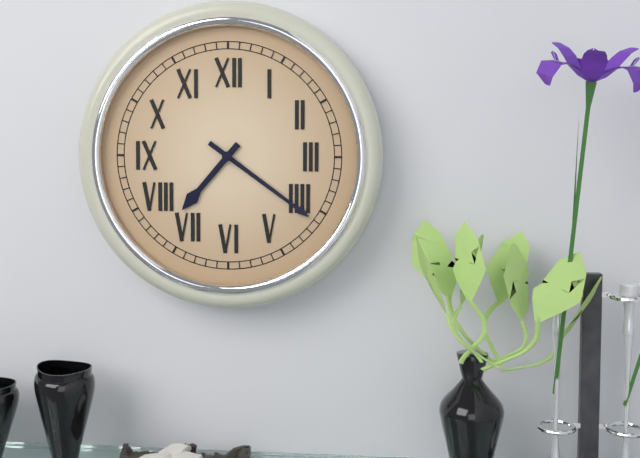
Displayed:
7:21
